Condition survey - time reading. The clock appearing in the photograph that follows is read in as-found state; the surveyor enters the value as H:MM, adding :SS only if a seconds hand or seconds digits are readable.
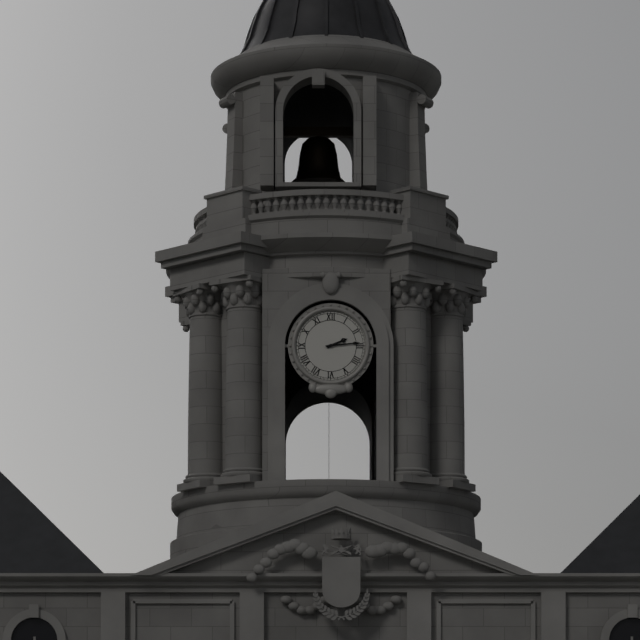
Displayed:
2:14
